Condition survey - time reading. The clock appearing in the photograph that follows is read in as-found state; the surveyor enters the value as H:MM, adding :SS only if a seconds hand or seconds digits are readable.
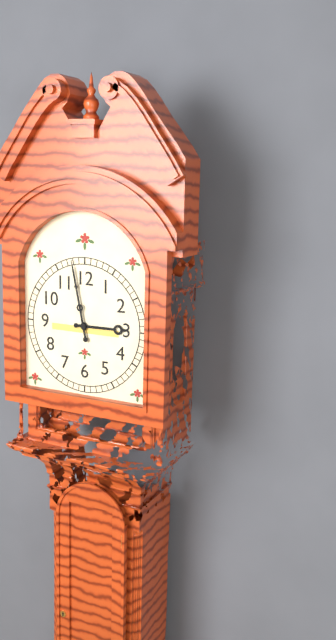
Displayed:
2:58
